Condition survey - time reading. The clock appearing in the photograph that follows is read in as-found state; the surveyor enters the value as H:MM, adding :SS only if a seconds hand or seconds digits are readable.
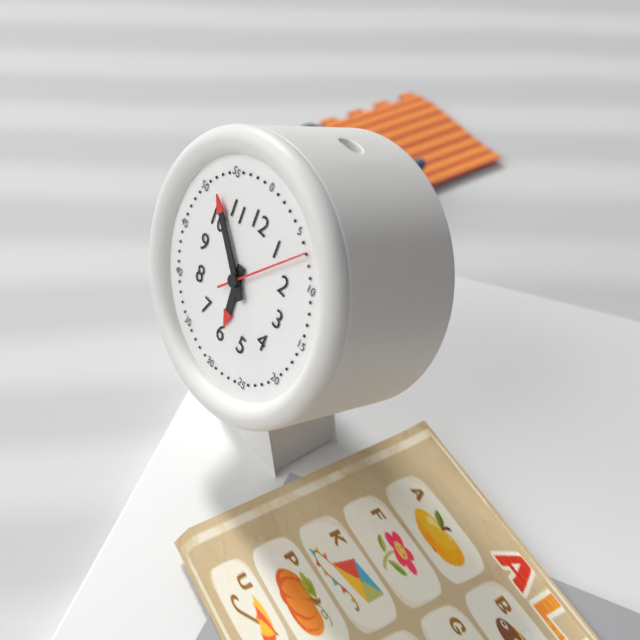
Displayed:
5:52:07
